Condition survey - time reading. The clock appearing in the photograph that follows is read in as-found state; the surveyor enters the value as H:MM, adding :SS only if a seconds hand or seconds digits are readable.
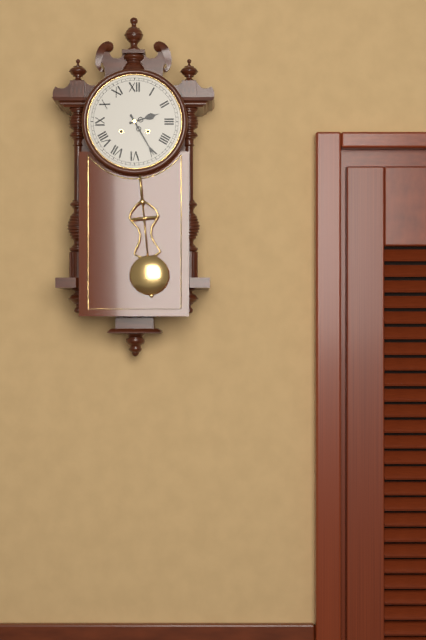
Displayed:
2:25
